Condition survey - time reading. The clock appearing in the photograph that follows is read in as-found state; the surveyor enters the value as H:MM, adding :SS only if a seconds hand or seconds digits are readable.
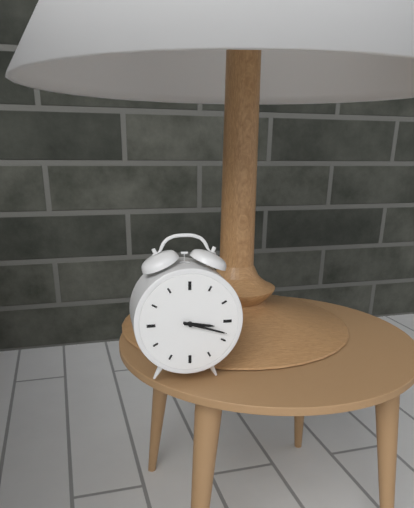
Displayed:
3:18
